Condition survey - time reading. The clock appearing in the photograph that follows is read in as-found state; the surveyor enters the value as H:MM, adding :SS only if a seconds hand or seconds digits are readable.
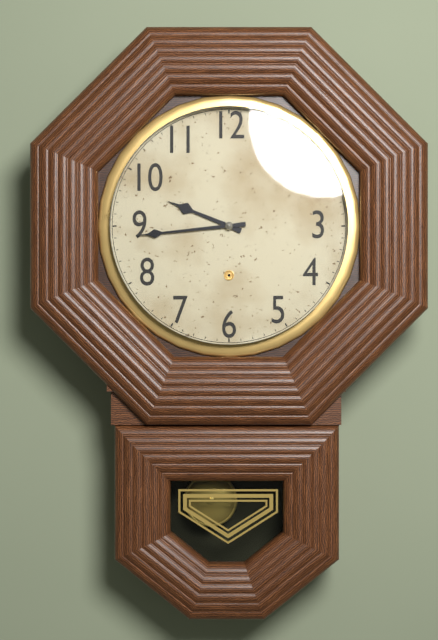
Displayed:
9:44
